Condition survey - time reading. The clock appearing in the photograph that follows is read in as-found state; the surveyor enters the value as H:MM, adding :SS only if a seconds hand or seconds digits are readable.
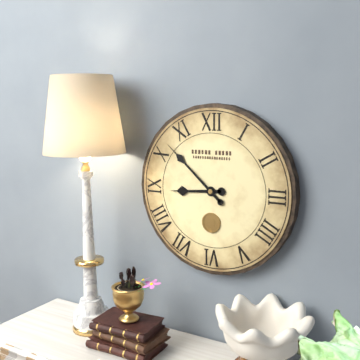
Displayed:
8:52
